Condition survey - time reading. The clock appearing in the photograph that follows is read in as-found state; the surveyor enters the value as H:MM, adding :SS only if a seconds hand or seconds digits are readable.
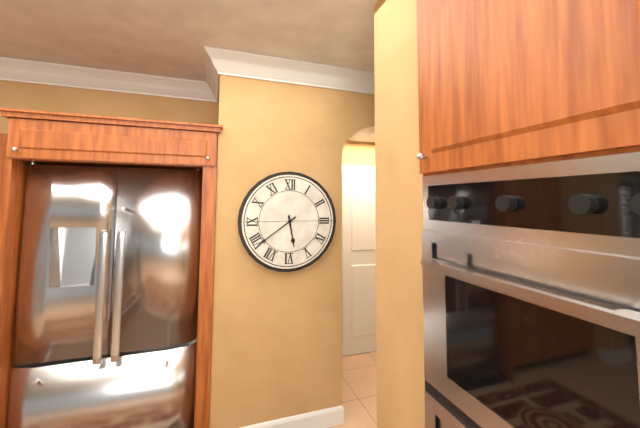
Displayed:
5:39
